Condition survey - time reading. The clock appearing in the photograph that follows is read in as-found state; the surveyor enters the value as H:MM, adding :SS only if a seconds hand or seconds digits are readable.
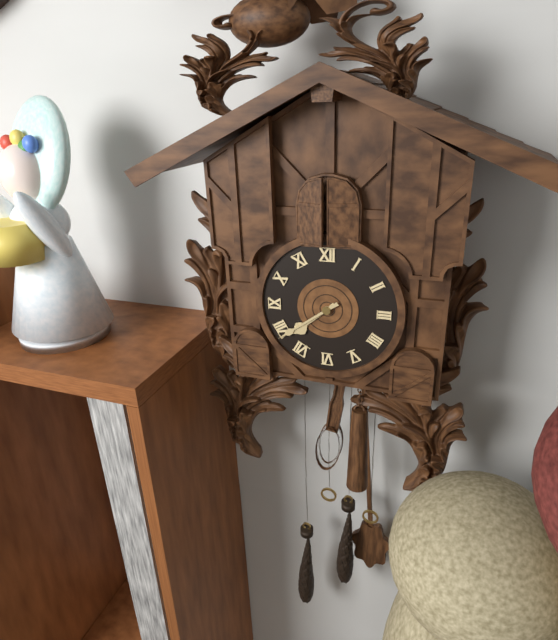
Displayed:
7:39
